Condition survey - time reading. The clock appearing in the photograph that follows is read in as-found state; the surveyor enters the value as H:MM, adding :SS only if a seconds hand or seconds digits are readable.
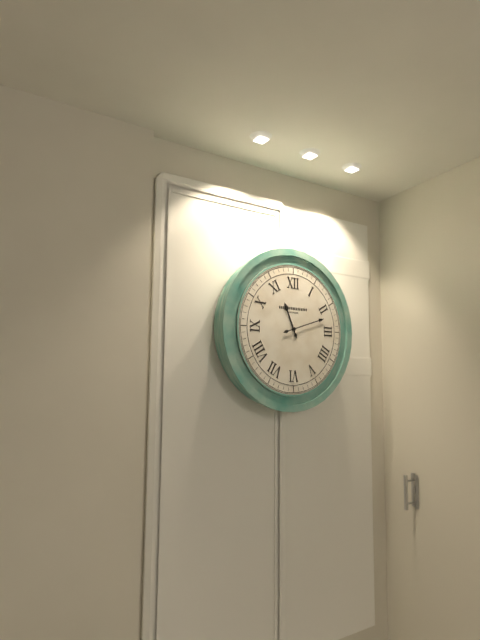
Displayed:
11:12
